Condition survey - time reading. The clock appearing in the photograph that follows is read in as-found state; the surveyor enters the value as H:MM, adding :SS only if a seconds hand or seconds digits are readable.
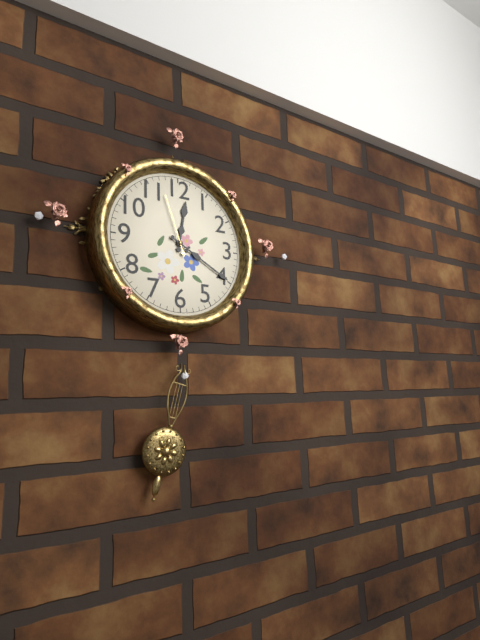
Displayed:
12:20:57
